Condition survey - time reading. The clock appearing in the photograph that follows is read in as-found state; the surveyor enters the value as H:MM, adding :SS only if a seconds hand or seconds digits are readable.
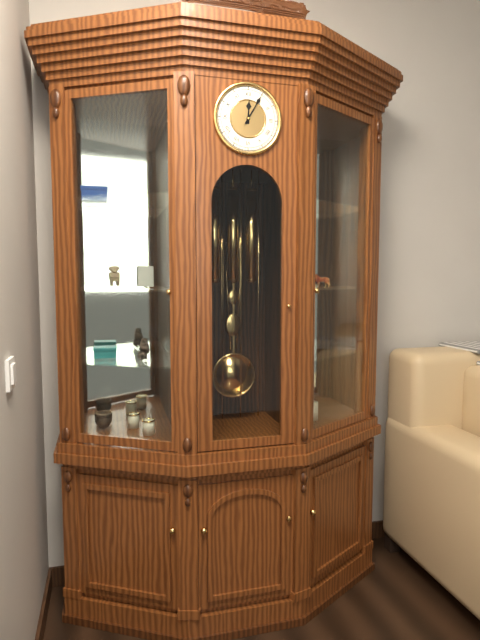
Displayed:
12:05
